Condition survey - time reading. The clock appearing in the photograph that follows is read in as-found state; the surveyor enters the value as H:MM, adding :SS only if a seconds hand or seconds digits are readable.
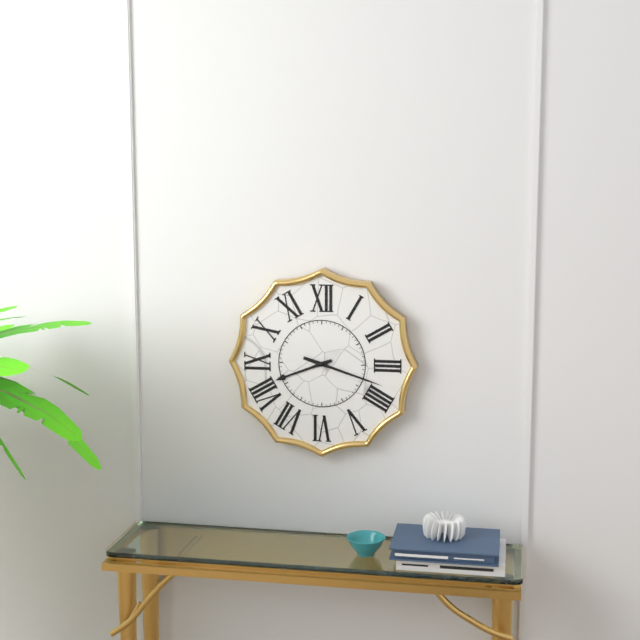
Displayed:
8:18
